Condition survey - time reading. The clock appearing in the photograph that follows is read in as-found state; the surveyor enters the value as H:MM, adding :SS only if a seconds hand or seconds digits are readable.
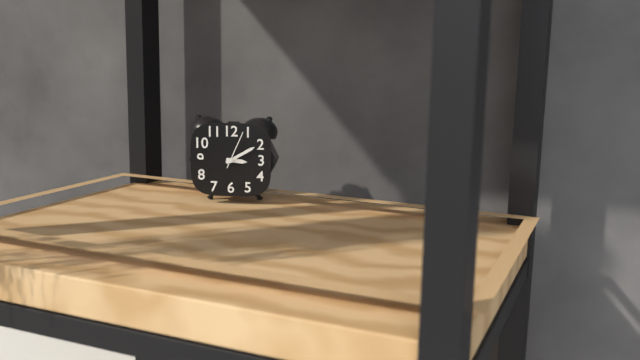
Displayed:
3:10
